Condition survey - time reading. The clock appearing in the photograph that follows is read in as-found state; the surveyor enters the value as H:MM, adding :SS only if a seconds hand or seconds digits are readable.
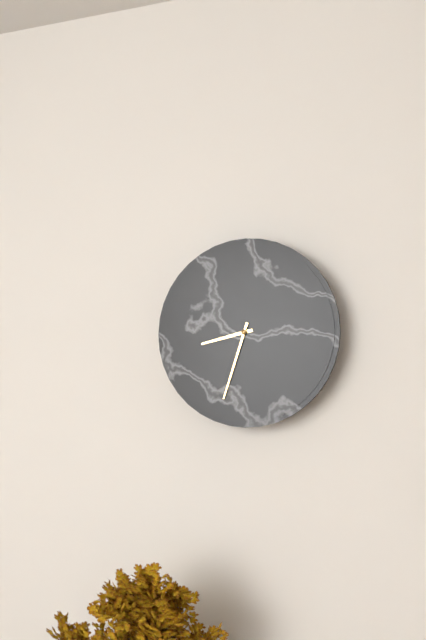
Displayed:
8:33
